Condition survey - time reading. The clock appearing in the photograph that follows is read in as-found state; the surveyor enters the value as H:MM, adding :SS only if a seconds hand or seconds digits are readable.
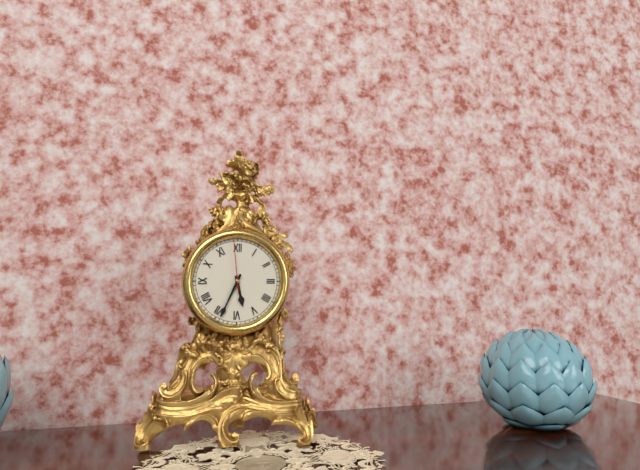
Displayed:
5:34:59
